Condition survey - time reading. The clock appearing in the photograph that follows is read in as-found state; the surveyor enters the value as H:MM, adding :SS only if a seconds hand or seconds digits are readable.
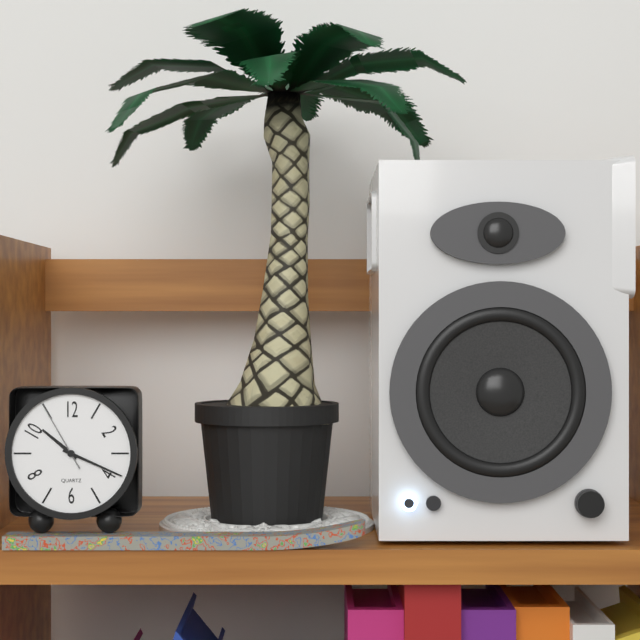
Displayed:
10:19:55
